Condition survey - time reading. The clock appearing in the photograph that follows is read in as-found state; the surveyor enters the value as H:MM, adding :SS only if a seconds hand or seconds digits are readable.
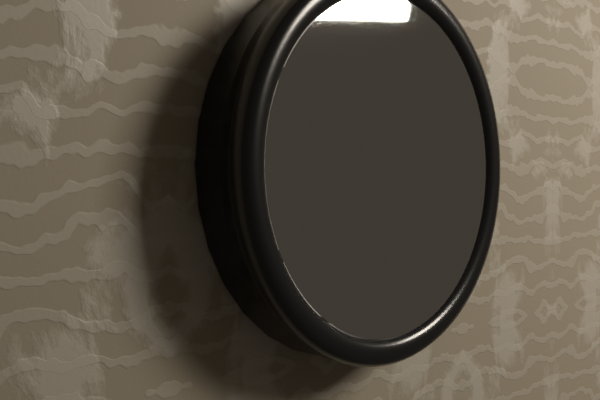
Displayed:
11:54:58
